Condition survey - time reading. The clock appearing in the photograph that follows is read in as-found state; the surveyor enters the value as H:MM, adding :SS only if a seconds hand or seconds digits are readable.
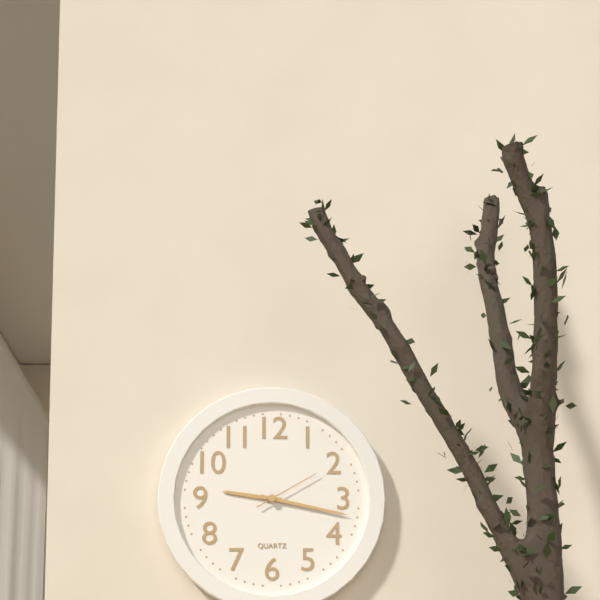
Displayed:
9:17:10
